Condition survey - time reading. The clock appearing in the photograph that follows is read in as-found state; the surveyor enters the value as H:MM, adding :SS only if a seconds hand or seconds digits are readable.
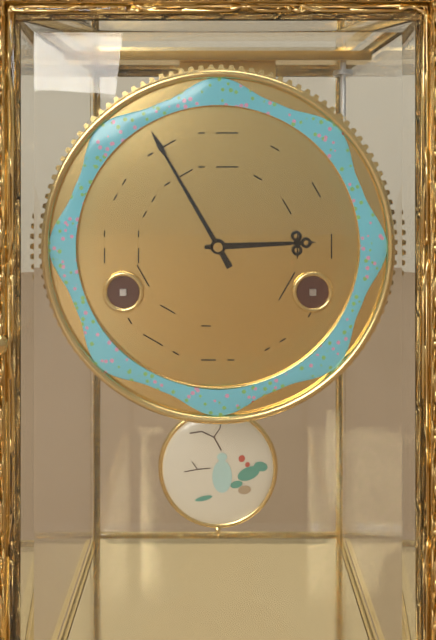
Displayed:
2:55
